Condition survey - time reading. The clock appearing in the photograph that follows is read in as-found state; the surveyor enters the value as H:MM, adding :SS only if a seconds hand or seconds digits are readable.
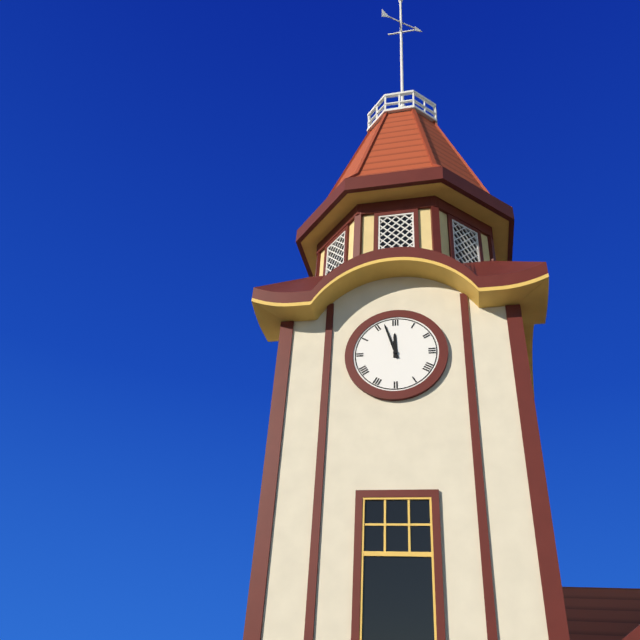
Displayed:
11:57
